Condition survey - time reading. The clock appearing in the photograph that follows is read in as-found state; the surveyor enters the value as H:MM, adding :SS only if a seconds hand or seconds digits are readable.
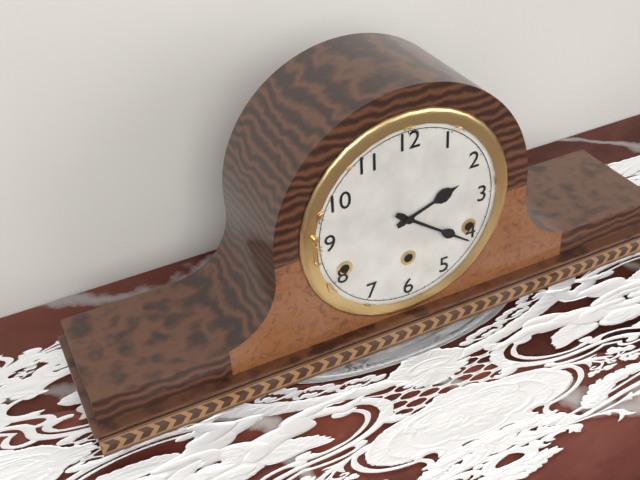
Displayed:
2:21
